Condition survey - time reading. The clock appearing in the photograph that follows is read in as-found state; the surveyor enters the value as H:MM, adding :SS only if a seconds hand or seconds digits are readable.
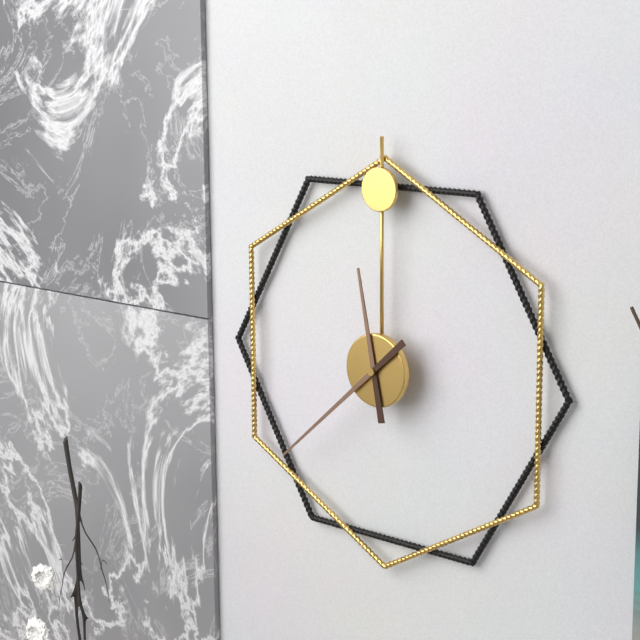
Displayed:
11:38
